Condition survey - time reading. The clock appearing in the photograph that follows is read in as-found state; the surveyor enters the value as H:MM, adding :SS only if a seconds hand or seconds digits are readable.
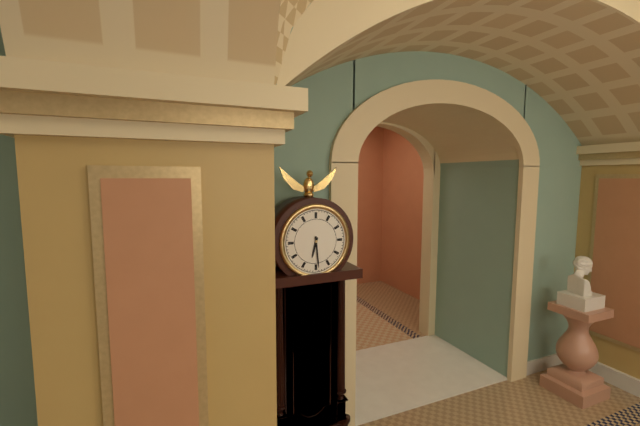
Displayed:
6:29
